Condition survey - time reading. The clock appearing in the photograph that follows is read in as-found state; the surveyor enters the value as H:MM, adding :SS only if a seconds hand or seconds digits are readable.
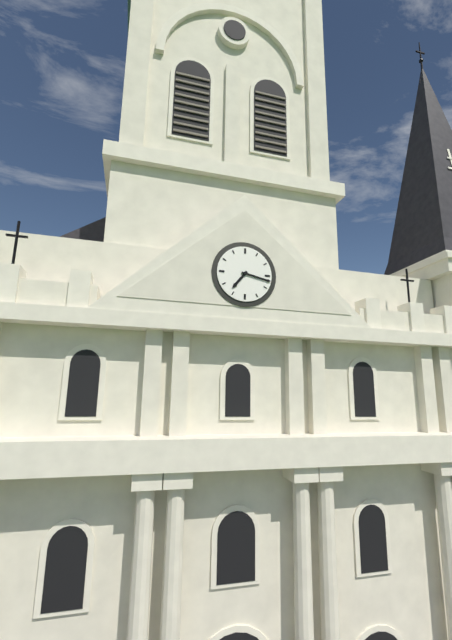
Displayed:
7:17
